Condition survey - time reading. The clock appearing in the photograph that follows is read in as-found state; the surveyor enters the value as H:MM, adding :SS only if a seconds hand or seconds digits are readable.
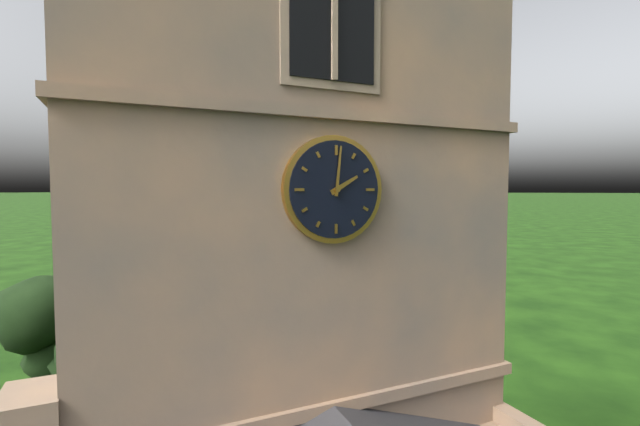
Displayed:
2:01
